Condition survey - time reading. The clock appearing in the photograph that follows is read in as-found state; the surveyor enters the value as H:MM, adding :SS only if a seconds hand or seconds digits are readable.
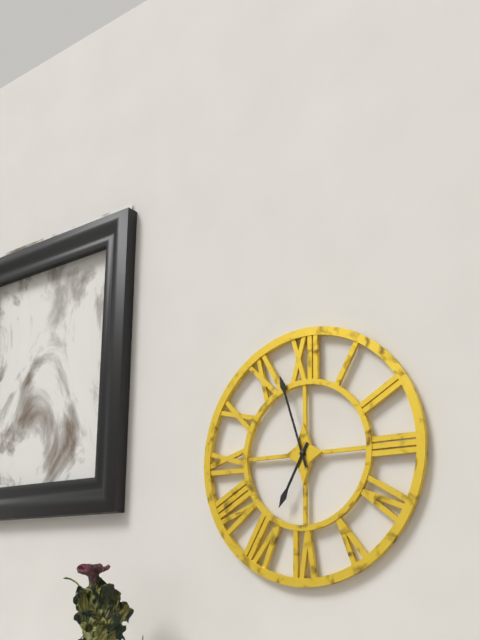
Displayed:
6:57
